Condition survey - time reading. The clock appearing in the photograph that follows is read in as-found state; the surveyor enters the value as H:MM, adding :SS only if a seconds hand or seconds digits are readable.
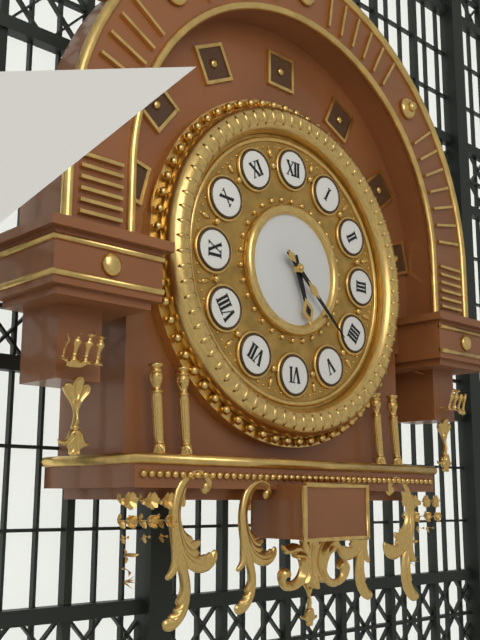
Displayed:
5:22
